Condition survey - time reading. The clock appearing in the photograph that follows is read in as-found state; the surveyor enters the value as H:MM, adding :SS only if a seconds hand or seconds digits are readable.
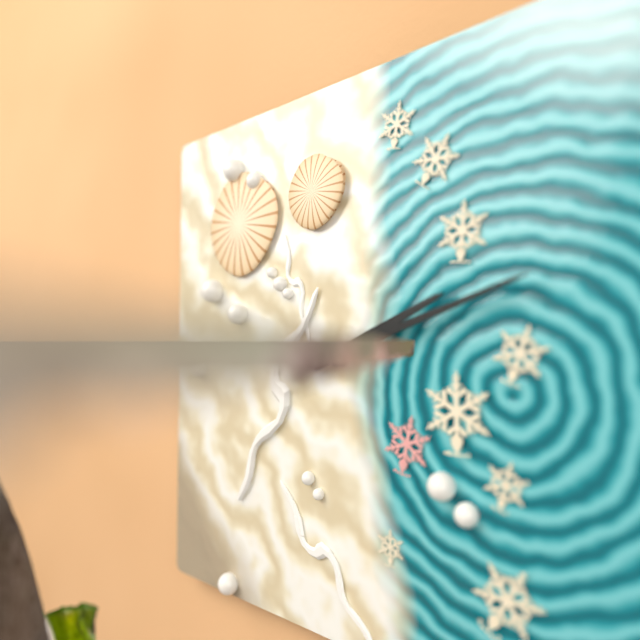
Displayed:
2:12
